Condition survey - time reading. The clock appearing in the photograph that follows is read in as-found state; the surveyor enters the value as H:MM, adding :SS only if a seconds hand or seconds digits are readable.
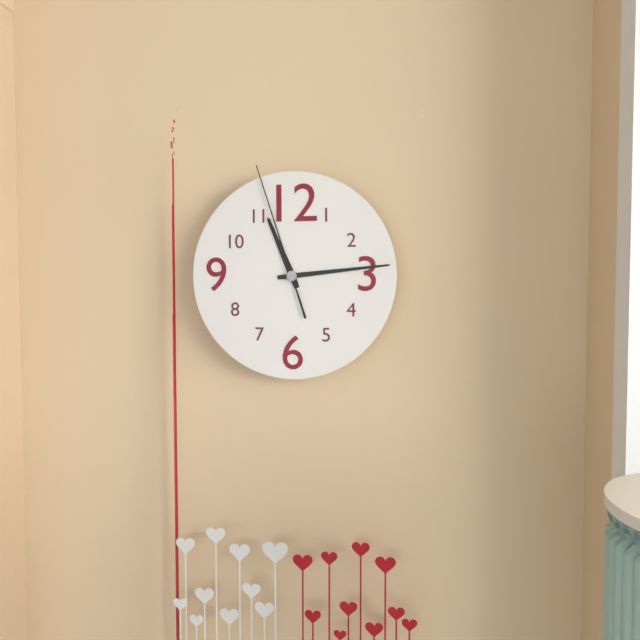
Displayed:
11:14:57
